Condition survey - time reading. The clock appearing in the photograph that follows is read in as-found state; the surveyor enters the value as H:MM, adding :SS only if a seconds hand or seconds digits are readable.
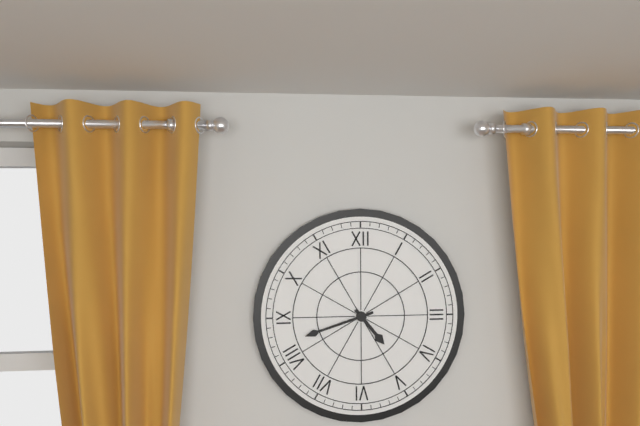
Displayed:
4:42
